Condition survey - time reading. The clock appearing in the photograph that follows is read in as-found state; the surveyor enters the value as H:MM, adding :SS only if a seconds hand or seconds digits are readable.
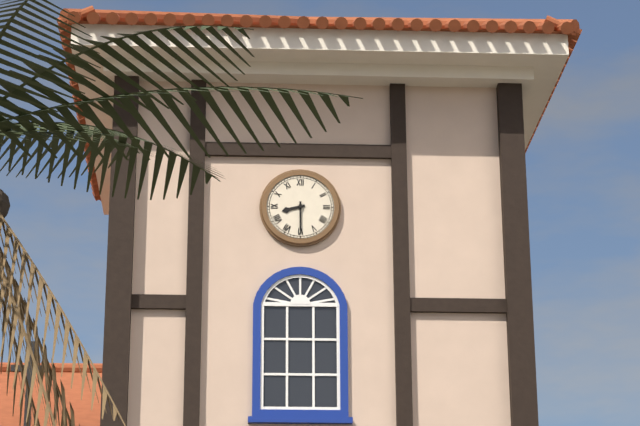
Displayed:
8:30
